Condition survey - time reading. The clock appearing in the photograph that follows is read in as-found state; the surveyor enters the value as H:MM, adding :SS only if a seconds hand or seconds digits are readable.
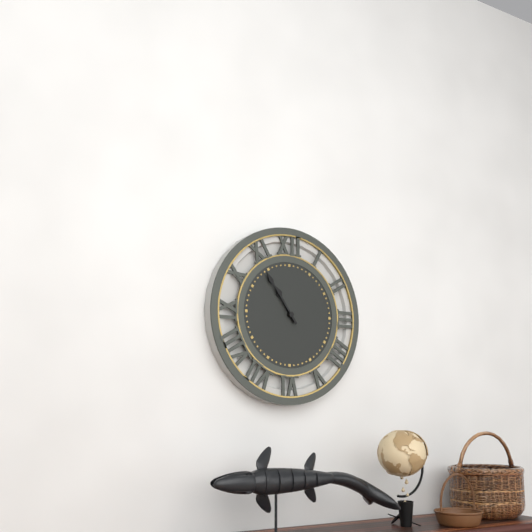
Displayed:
10:54
